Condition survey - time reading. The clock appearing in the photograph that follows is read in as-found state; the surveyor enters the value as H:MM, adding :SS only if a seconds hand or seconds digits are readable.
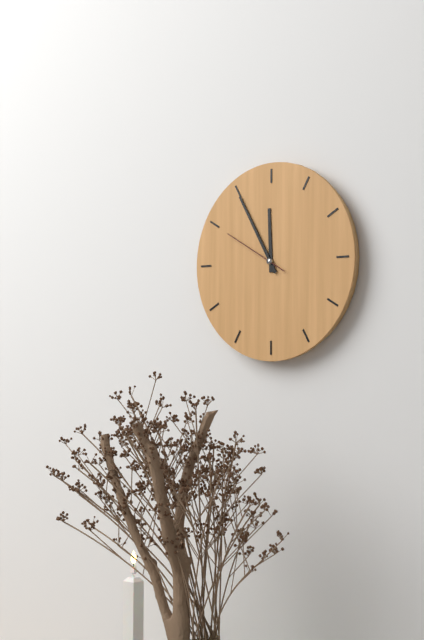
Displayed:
11:55:50
